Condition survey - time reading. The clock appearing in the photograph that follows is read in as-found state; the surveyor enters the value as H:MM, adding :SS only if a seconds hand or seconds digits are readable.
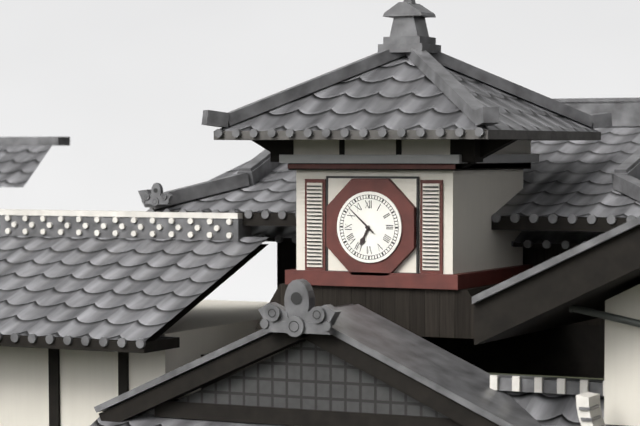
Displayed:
6:52
